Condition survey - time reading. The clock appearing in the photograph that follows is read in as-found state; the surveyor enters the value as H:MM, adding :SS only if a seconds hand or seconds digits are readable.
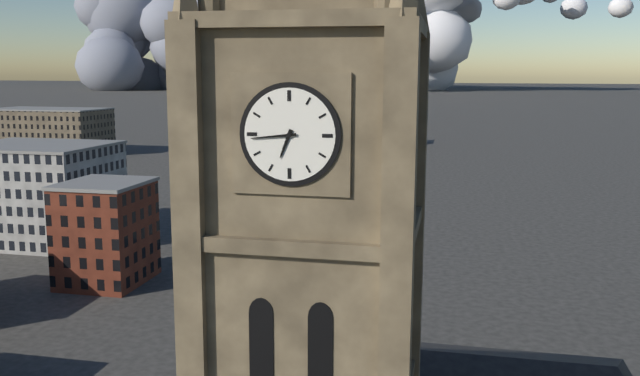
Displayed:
6:44
